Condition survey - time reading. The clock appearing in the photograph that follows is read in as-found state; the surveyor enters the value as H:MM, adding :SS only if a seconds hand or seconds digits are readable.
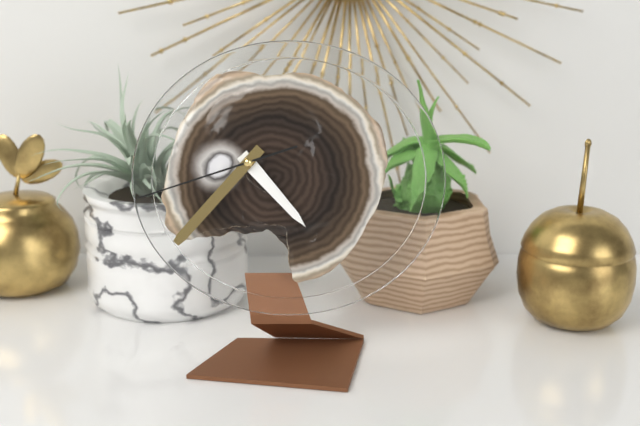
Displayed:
4:37:42
